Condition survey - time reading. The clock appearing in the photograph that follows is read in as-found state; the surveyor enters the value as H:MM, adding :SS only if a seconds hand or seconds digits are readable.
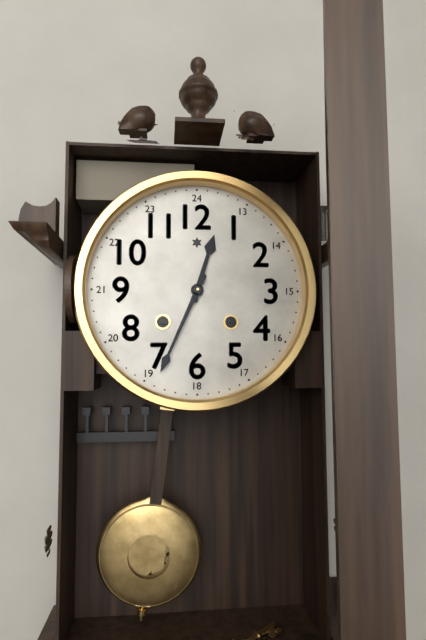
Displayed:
12:34
